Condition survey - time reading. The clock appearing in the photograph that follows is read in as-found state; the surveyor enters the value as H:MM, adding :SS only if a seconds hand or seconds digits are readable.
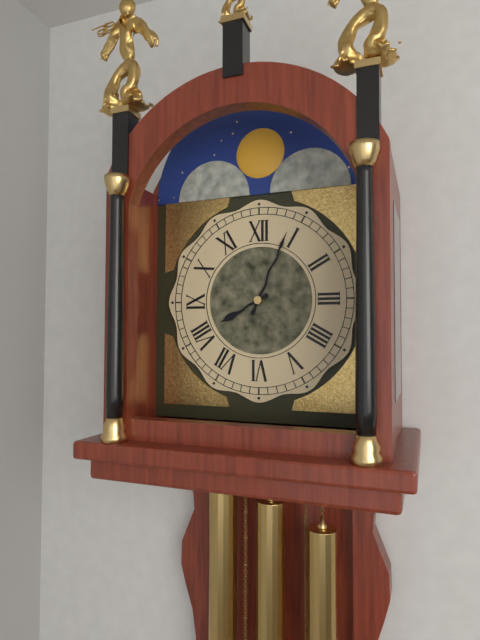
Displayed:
8:04
